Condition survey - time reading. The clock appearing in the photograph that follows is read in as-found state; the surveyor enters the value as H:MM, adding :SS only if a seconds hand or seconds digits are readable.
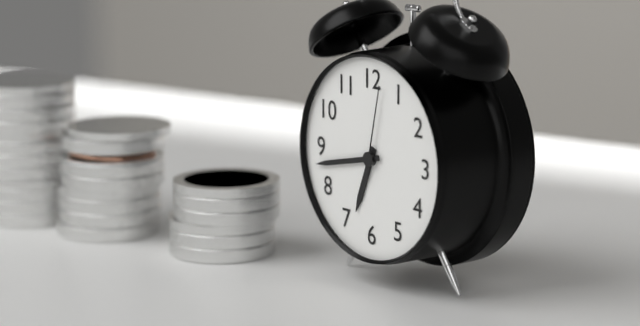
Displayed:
6:43:02
